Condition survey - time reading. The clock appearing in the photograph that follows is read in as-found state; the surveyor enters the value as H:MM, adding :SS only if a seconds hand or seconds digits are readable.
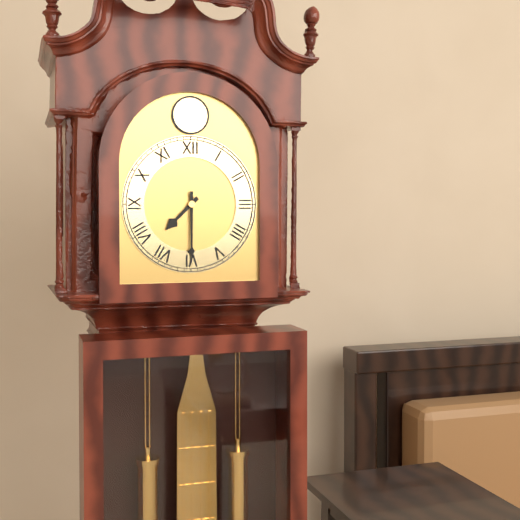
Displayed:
7:30
